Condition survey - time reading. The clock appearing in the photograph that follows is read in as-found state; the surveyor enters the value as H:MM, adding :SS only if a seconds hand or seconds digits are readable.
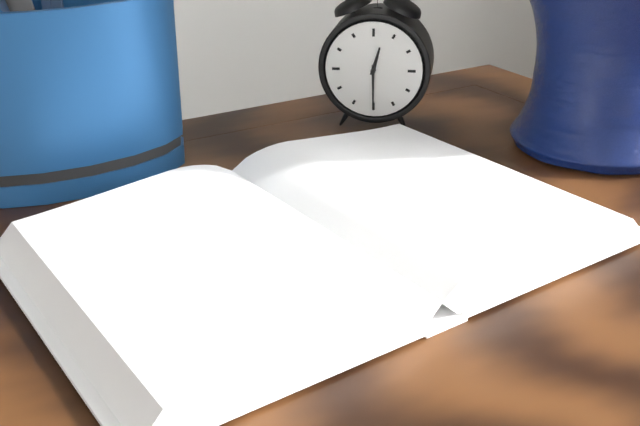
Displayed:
12:30
